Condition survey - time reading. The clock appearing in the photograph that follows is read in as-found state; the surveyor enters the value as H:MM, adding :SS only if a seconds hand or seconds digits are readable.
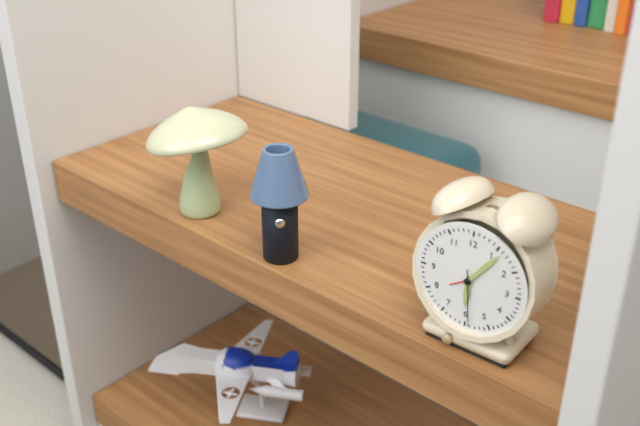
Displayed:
6:06:29
